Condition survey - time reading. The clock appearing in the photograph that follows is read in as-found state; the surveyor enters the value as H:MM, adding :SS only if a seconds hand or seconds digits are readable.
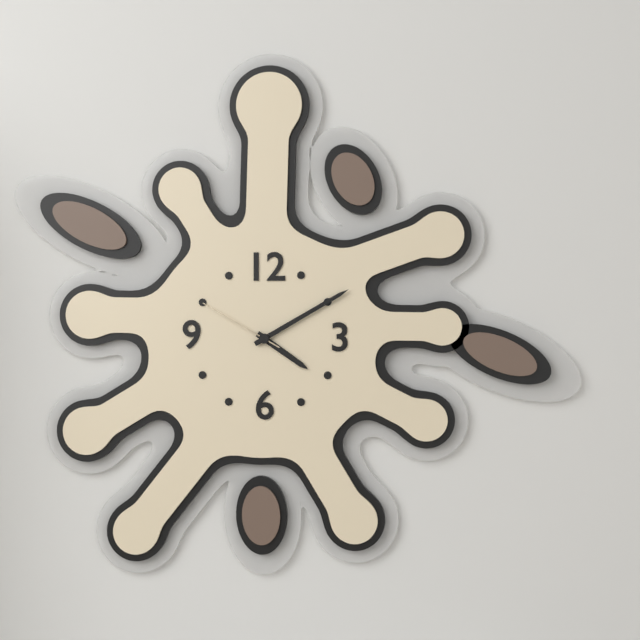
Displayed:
4:10:50
